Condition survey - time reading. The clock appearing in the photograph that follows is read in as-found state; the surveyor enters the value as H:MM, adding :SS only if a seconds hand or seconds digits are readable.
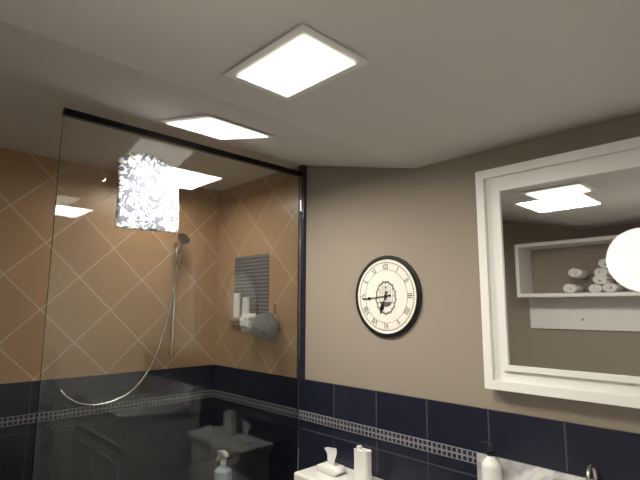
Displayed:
6:44
